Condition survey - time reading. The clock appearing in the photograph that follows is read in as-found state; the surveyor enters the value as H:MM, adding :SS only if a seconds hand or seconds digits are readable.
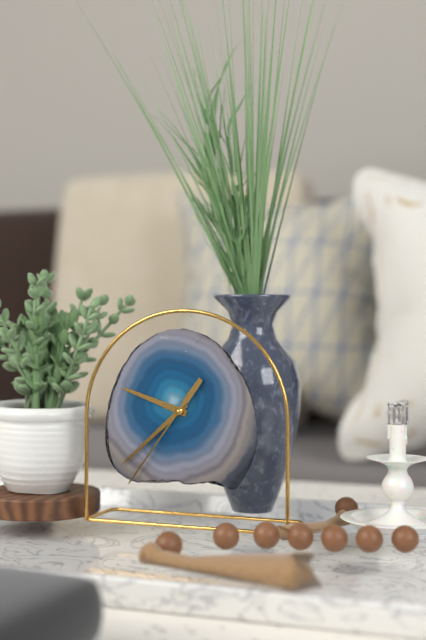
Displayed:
9:38:36
